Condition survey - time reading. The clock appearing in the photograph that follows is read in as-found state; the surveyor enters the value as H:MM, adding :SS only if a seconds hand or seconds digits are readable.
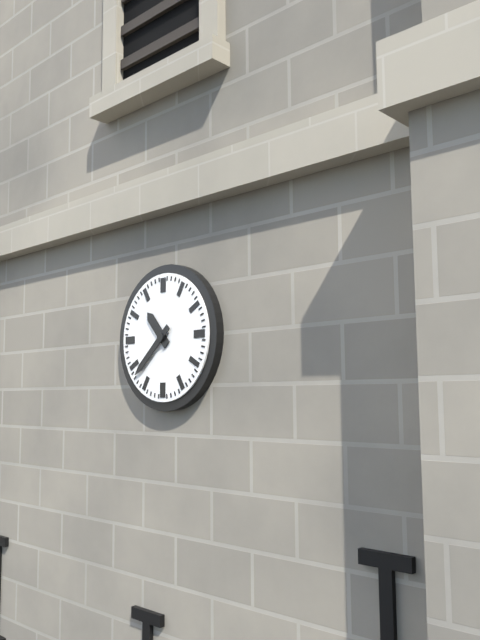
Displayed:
10:38
